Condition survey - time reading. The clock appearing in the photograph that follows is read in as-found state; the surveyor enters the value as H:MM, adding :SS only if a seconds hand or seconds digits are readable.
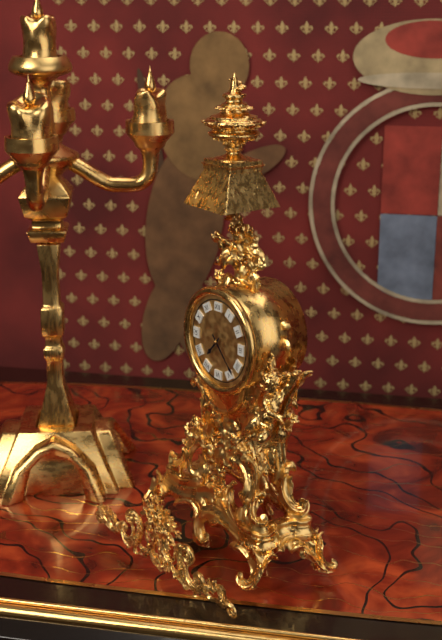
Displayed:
7:23
